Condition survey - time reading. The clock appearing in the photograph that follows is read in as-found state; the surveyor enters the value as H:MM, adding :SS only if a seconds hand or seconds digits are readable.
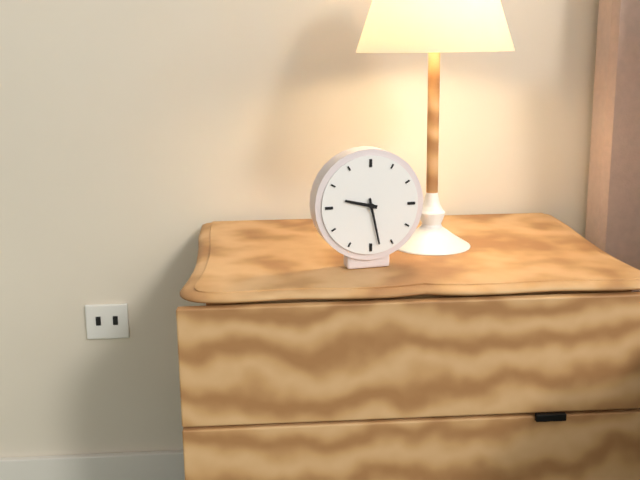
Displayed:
9:28
